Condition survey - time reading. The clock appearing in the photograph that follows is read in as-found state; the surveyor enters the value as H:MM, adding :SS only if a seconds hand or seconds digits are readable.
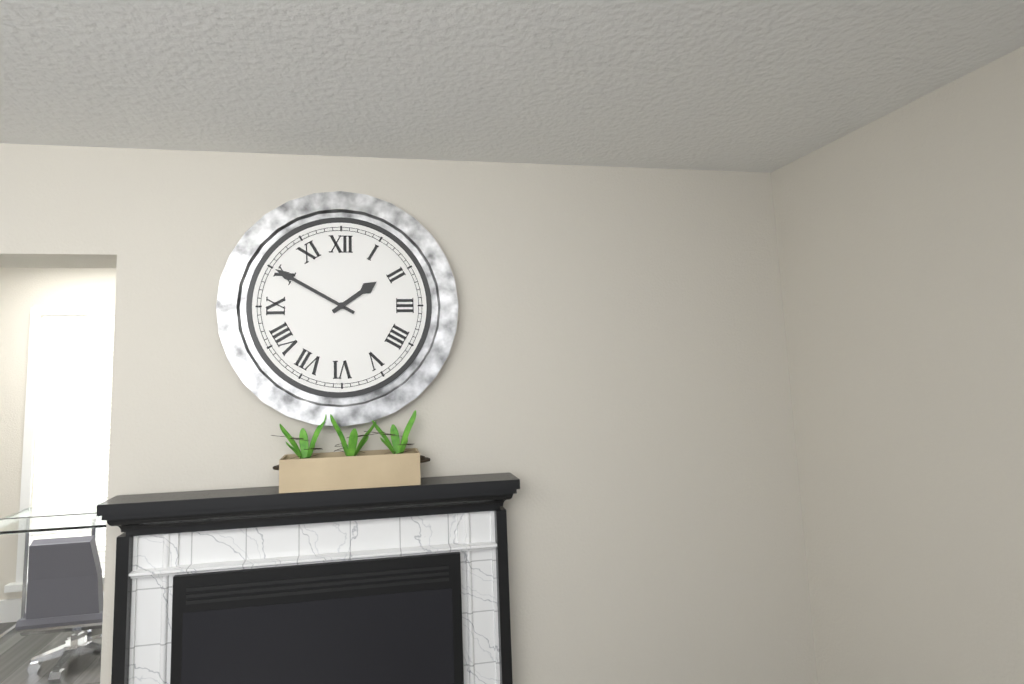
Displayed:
1:50
